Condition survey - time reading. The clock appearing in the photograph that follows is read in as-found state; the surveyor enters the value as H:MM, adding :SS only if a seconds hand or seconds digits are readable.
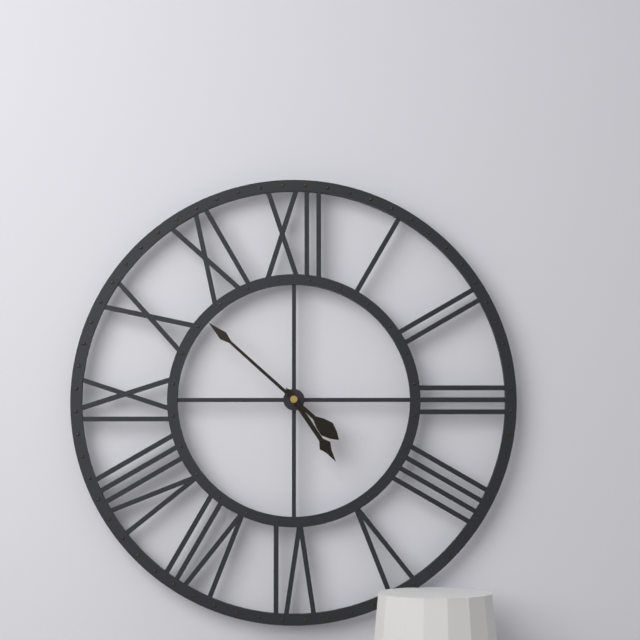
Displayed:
4:52
